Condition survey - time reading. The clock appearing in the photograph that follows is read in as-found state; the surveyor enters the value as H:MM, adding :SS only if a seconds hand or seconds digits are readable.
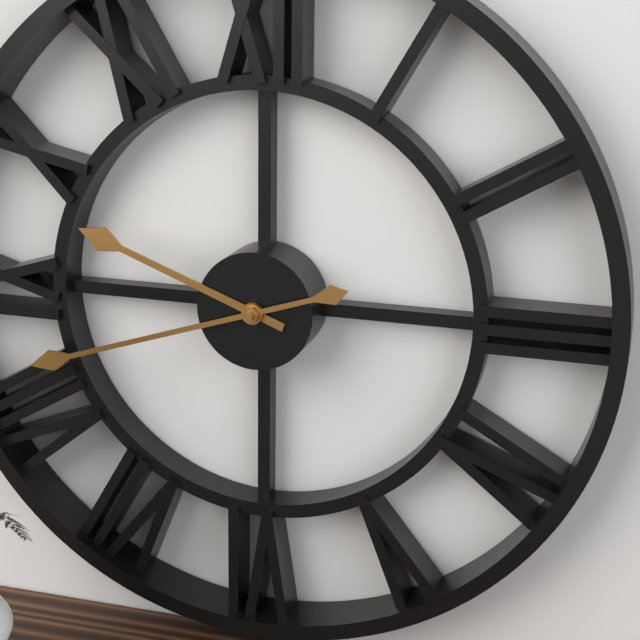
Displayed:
9:42
